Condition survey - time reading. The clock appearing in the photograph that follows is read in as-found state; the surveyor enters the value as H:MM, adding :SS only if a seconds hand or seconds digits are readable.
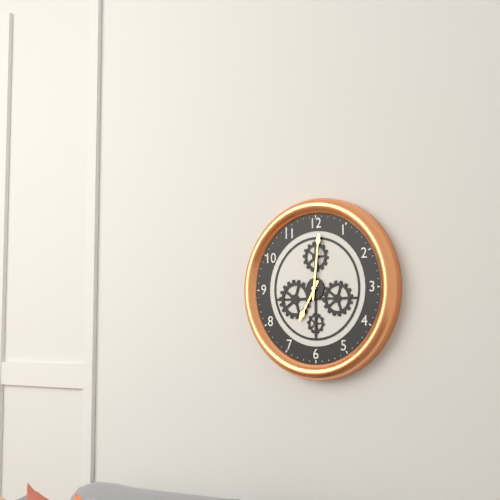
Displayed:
7:01
